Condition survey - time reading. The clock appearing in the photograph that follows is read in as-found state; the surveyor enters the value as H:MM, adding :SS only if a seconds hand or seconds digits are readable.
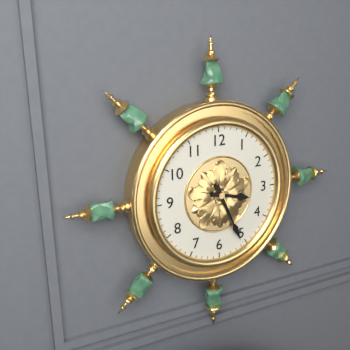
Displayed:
3:26
